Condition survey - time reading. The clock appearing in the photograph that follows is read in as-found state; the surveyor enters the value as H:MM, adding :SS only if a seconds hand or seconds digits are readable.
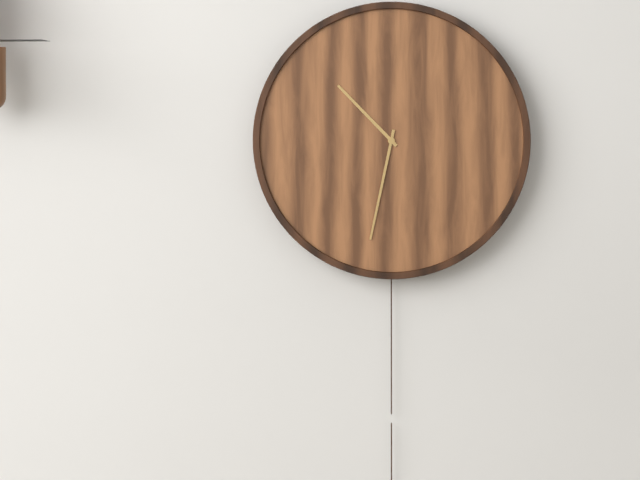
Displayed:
10:32
